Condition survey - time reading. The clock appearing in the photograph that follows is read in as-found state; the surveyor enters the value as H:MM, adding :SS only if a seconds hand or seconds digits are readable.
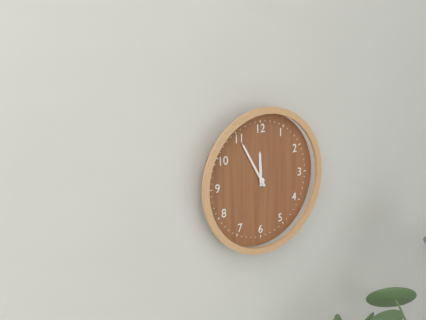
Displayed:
11:55
